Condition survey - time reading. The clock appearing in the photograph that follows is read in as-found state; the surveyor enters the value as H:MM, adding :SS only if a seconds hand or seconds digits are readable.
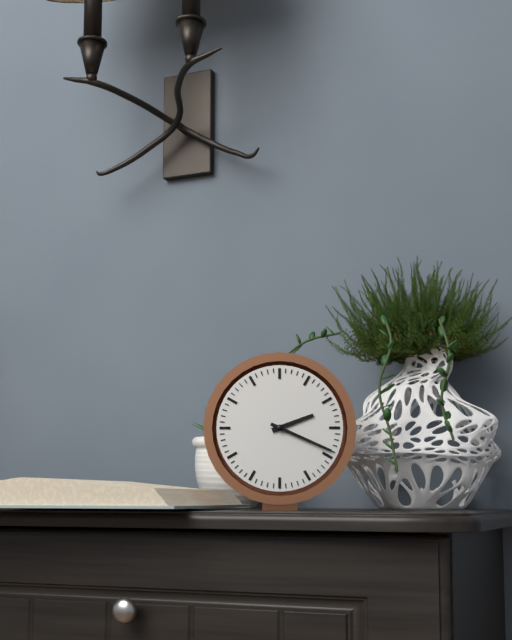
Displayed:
2:19
